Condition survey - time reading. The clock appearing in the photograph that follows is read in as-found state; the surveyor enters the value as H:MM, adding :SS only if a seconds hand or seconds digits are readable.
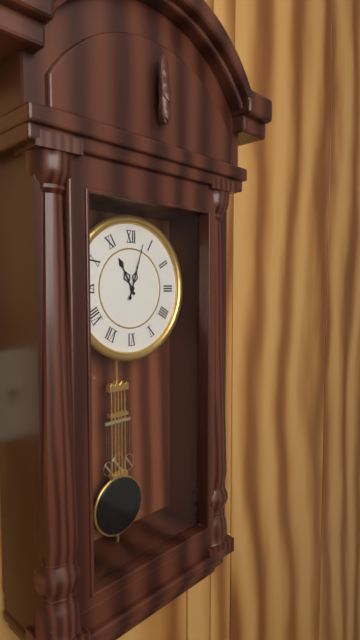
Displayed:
11:03
